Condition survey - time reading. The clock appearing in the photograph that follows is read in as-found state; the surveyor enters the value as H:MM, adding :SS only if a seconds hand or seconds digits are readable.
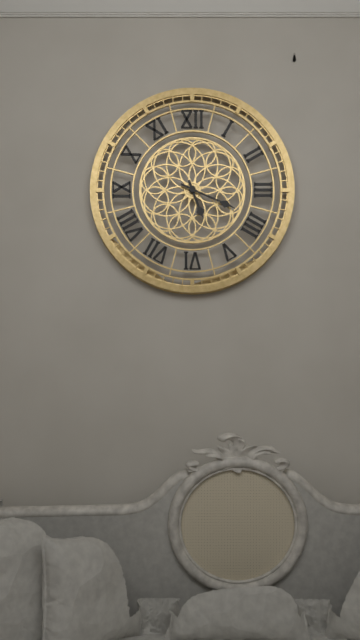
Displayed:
5:19
